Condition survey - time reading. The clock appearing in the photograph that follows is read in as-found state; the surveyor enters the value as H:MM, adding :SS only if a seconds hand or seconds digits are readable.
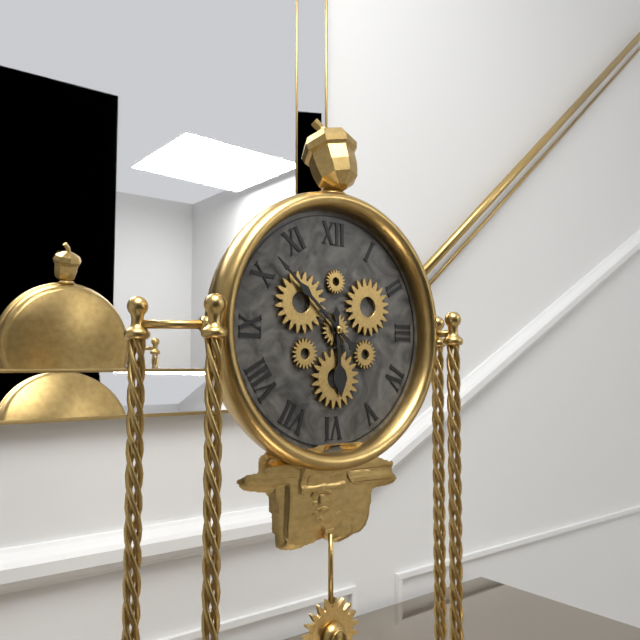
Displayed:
5:52
